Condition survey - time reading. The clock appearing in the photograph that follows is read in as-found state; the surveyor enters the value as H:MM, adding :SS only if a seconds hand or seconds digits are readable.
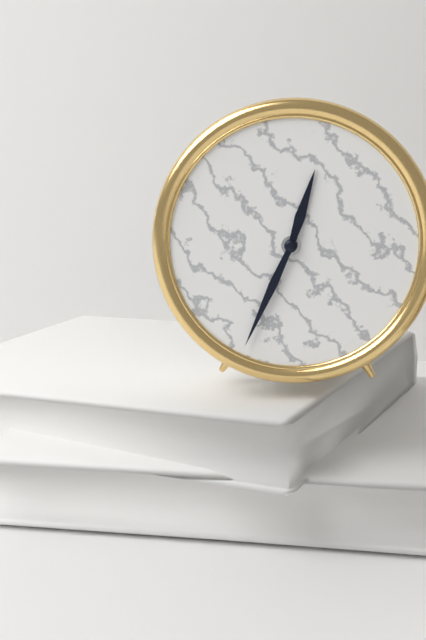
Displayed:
12:34
